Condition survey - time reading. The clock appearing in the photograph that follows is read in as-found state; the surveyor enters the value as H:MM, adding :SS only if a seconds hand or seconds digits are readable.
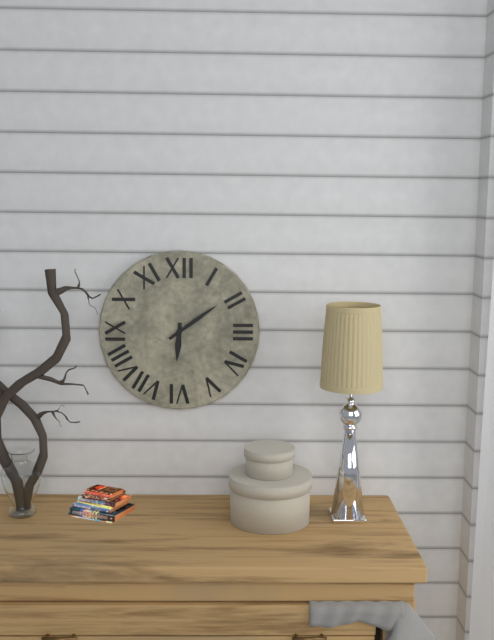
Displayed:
6:09
